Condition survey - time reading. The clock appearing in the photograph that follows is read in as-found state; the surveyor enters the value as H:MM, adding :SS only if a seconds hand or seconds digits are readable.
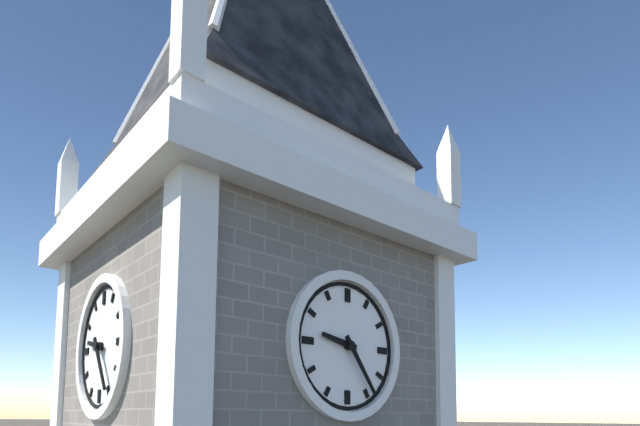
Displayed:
9:24
